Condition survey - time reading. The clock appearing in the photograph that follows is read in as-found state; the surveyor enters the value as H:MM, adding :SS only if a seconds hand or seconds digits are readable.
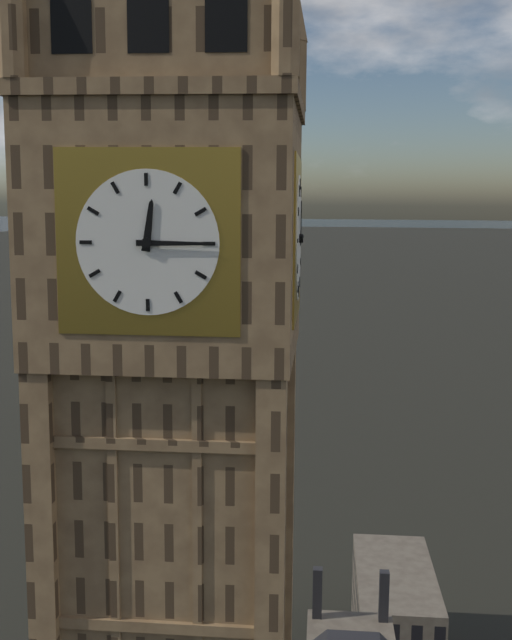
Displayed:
12:15
